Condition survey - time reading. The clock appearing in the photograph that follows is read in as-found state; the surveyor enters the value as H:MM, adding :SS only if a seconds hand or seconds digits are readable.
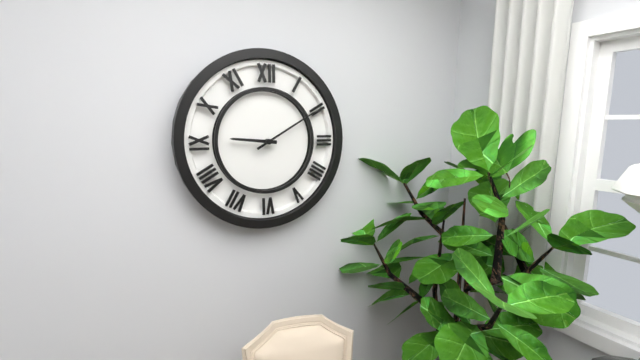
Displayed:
9:10
